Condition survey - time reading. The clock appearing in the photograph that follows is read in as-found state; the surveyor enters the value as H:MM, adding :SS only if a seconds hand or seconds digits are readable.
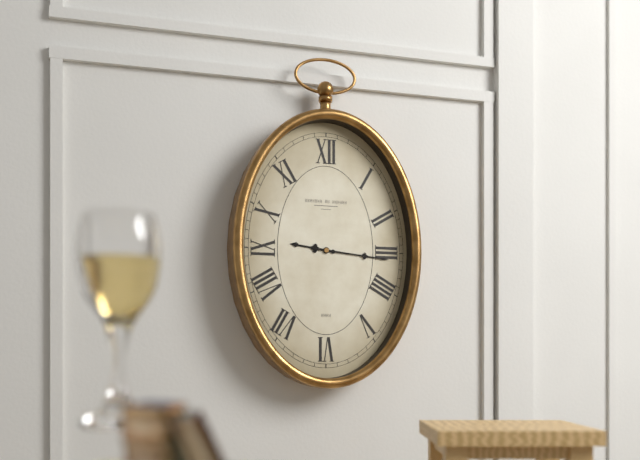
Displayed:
9:16
